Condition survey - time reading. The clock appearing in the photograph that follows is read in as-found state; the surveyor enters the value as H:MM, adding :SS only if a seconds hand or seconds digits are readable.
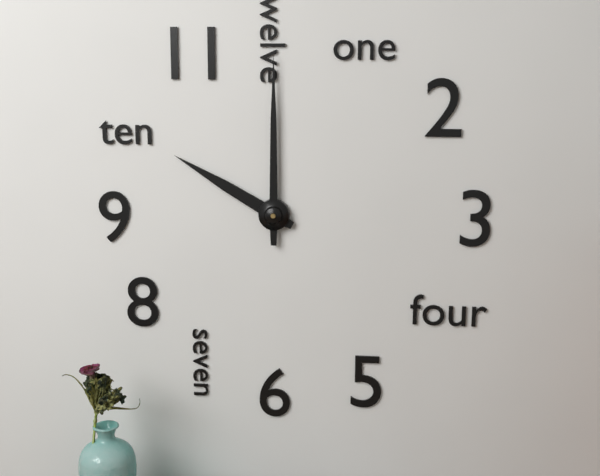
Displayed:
10:00
